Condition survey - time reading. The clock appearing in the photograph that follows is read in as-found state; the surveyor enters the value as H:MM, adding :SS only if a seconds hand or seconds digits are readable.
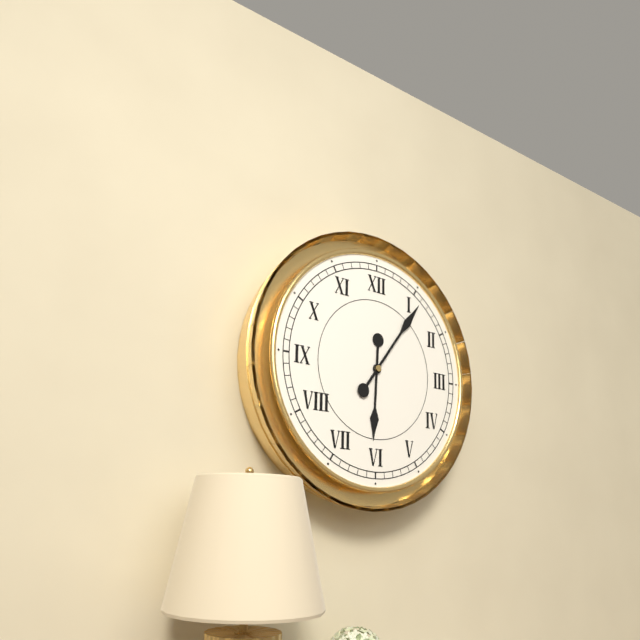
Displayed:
6:06
